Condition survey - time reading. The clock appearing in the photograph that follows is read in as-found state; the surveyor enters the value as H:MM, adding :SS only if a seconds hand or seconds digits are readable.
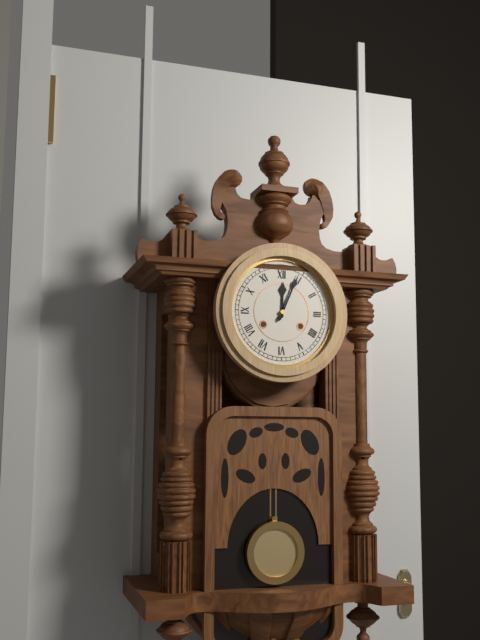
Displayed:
12:04
